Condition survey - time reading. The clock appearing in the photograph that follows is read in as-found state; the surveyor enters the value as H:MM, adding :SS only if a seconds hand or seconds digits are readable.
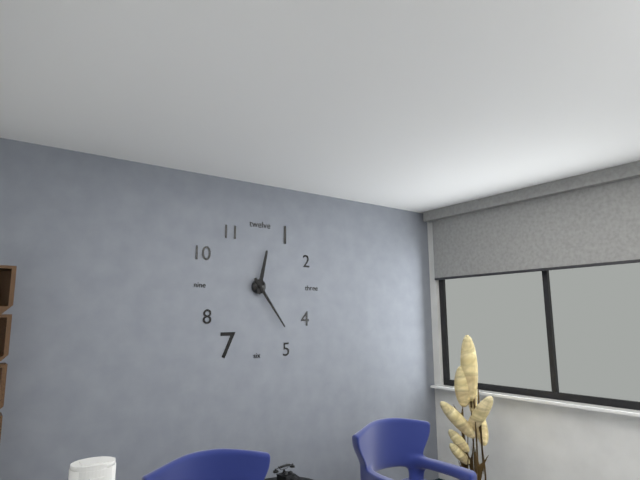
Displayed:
12:24
